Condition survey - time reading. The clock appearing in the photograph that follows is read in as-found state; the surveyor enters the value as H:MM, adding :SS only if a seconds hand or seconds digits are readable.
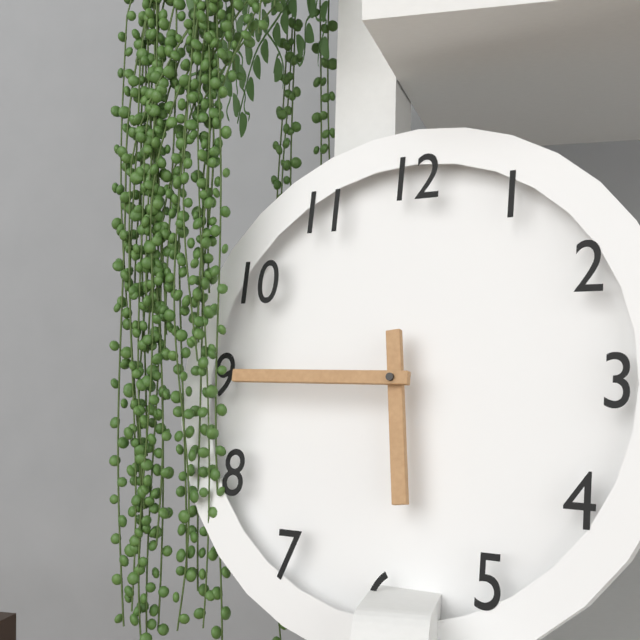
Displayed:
5:45
